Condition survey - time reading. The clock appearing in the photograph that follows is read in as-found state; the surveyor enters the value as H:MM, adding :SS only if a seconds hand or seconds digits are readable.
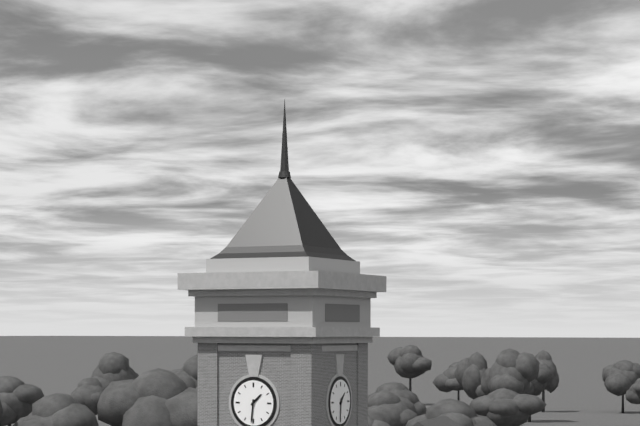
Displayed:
1:31
